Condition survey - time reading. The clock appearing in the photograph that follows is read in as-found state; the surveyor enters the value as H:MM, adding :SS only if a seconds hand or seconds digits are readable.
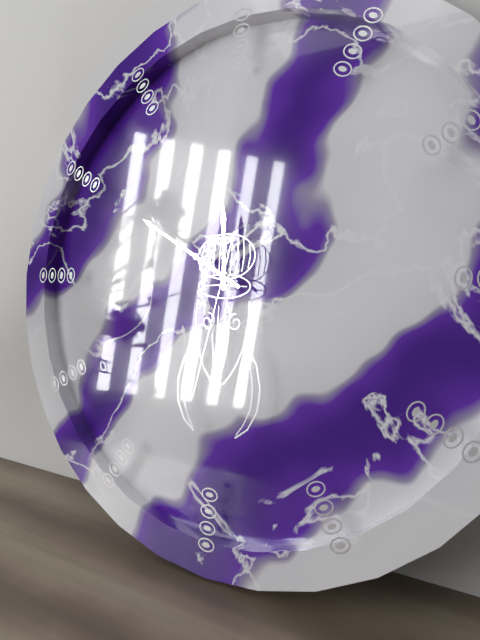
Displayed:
11:50:32
